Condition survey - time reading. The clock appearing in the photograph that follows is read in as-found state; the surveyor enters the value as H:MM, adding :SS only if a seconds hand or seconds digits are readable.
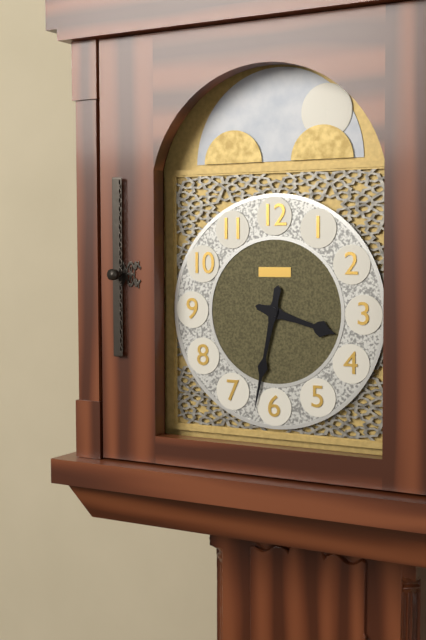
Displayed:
3:32
